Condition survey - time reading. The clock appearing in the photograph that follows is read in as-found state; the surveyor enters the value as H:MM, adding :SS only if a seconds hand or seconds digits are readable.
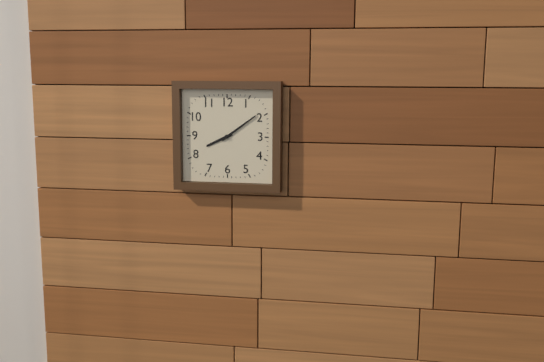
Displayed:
8:09
